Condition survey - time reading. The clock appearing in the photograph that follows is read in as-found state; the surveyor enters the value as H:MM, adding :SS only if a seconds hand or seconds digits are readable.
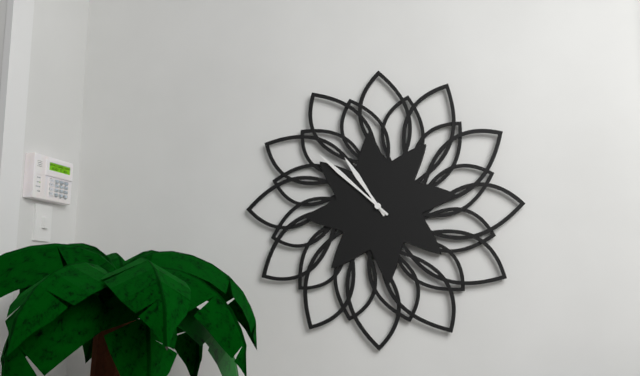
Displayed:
10:52
